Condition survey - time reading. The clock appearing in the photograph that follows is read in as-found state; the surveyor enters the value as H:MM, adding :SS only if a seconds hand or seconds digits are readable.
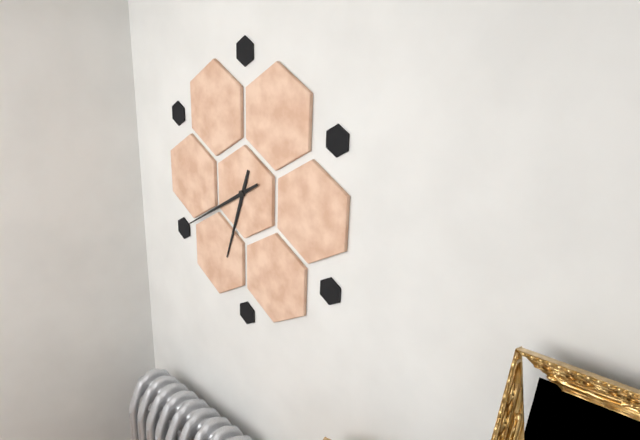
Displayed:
6:40
